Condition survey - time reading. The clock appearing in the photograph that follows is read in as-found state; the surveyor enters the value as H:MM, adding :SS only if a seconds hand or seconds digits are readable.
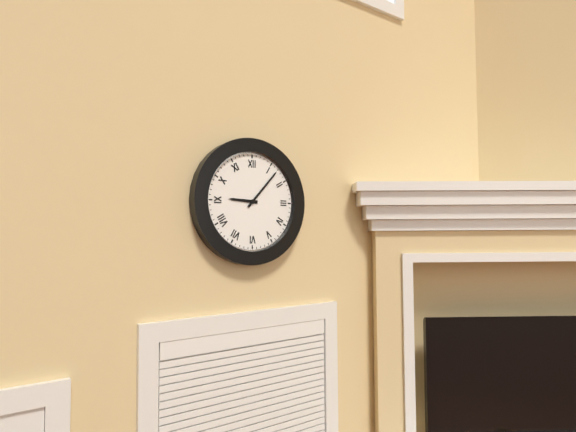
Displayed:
9:07
